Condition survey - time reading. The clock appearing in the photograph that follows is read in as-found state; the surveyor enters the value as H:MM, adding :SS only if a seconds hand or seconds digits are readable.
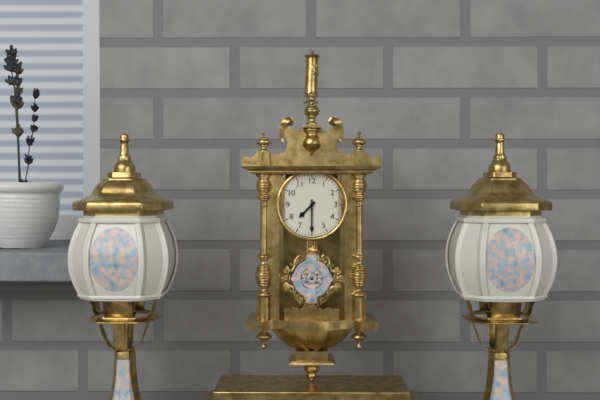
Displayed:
7:30
